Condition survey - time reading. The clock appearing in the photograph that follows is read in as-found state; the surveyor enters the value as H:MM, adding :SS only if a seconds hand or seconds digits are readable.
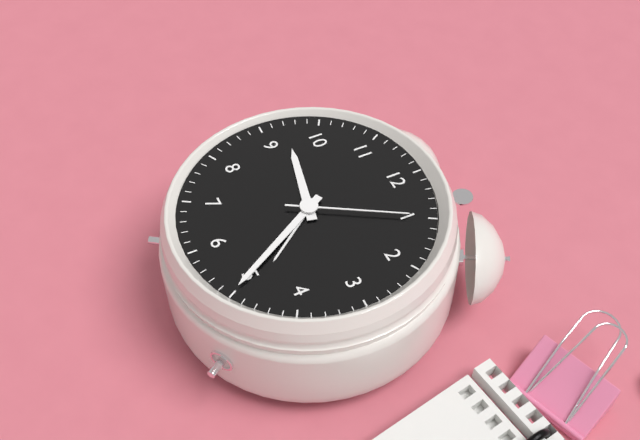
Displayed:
9:25:05
